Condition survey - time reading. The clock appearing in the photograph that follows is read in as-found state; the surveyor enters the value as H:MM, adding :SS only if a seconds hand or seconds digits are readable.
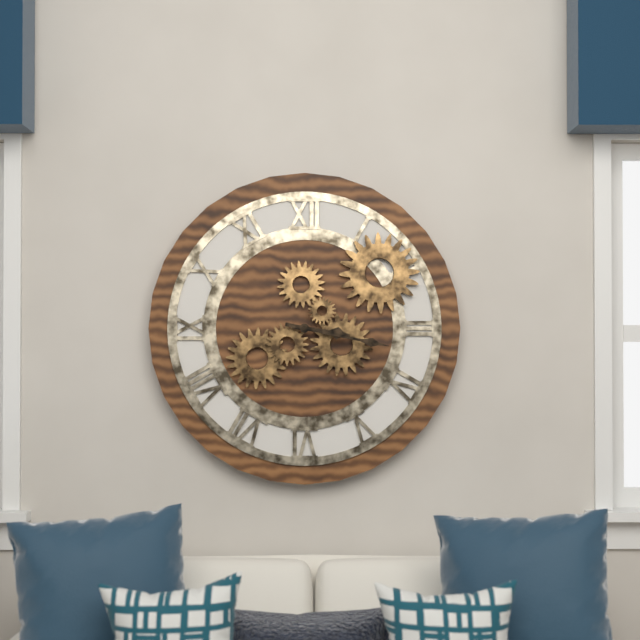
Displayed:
3:17
